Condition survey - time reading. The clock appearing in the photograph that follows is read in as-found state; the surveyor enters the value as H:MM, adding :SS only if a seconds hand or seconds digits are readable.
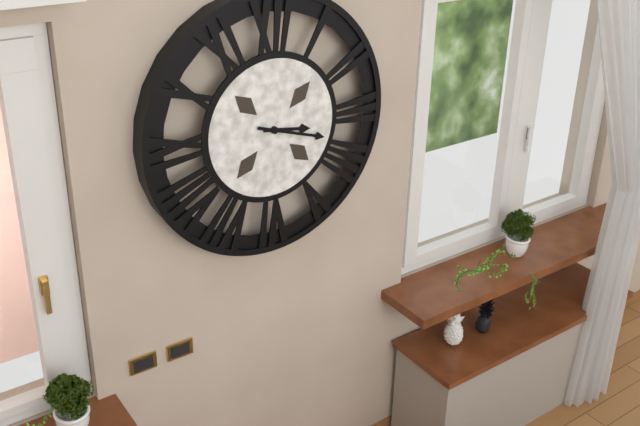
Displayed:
3:18
